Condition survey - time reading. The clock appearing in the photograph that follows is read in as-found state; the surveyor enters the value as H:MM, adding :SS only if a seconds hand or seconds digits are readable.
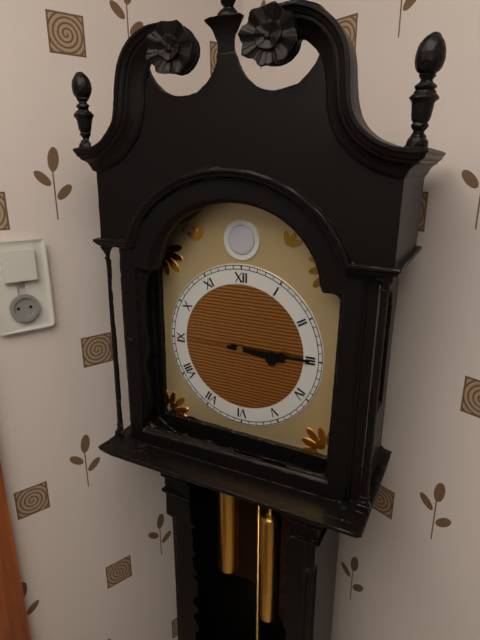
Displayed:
3:15
